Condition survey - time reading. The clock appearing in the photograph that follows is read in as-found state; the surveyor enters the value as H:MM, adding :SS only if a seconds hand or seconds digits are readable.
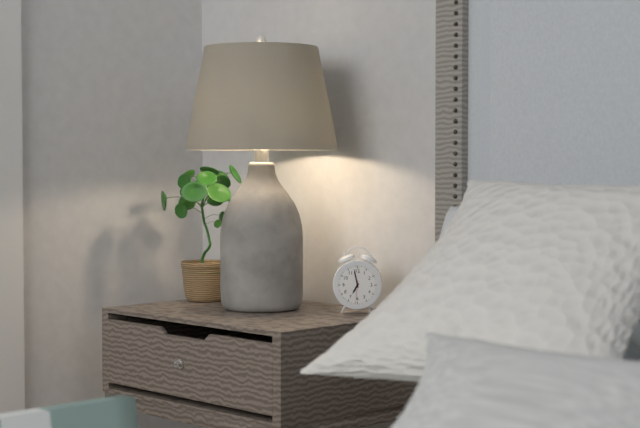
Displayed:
6:58
